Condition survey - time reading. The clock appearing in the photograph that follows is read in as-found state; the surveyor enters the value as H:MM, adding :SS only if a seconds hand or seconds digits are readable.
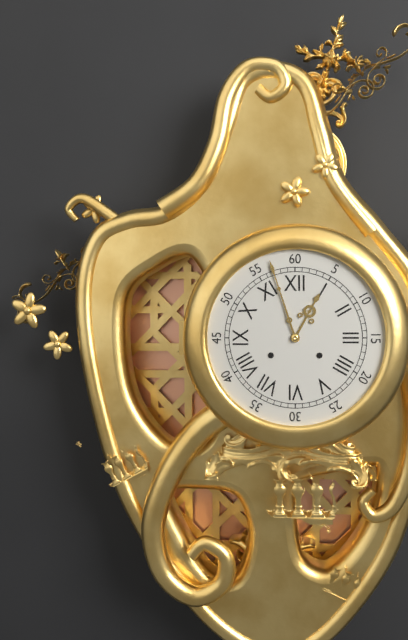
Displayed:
12:57
